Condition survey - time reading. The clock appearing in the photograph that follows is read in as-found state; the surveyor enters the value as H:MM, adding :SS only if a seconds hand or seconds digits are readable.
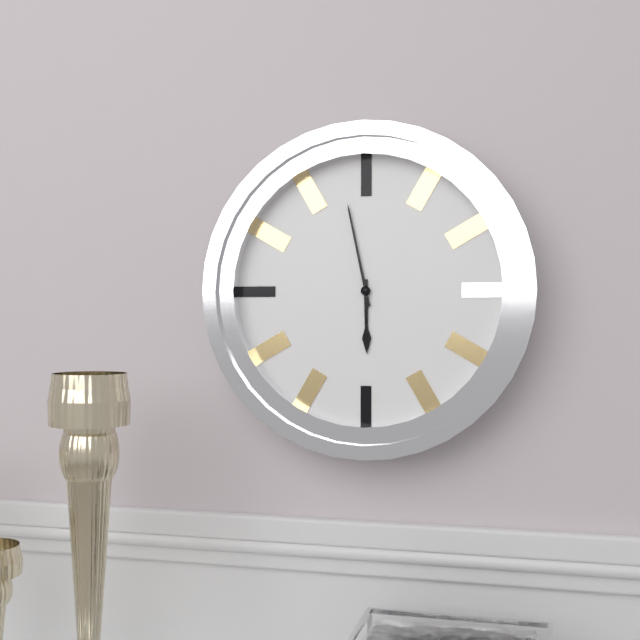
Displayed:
5:58
